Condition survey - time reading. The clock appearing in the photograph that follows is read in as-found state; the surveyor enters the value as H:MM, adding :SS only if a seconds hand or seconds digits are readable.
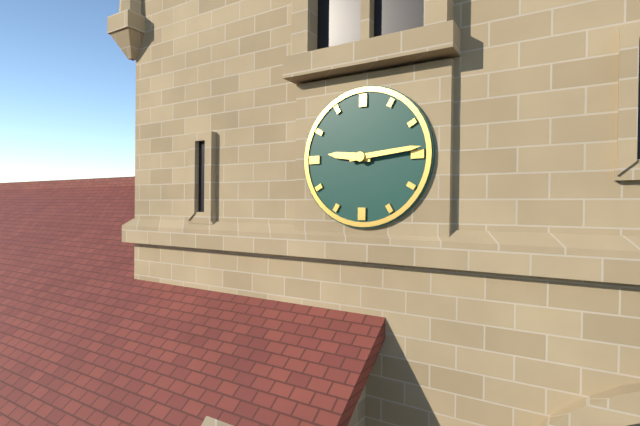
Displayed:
9:14
